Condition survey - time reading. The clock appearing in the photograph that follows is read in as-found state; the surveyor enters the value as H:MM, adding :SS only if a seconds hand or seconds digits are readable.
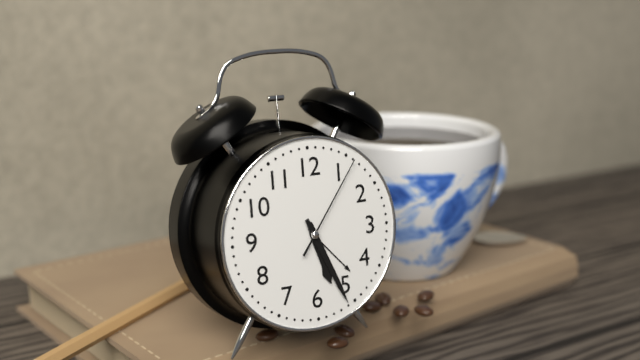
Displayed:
5:26:06
